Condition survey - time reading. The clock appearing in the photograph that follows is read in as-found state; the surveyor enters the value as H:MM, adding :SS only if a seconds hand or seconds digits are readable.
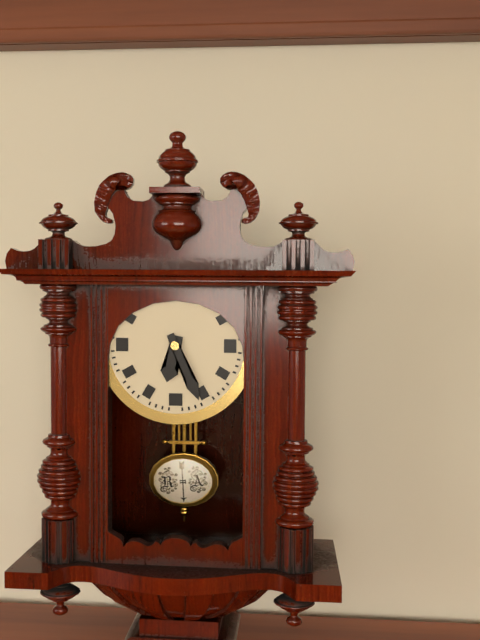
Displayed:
6:26
